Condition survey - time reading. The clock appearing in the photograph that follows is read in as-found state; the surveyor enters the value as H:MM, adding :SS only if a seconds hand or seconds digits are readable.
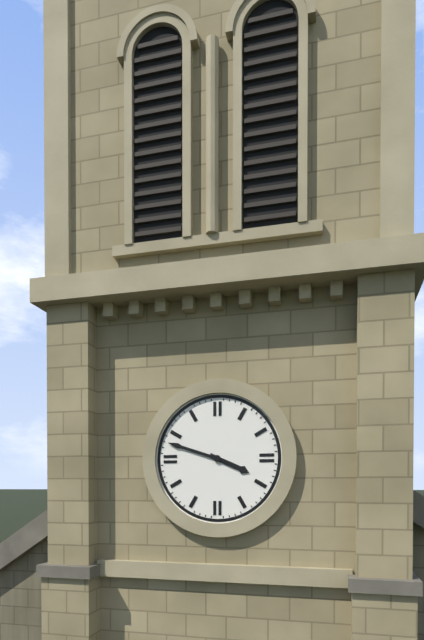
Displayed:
3:48
